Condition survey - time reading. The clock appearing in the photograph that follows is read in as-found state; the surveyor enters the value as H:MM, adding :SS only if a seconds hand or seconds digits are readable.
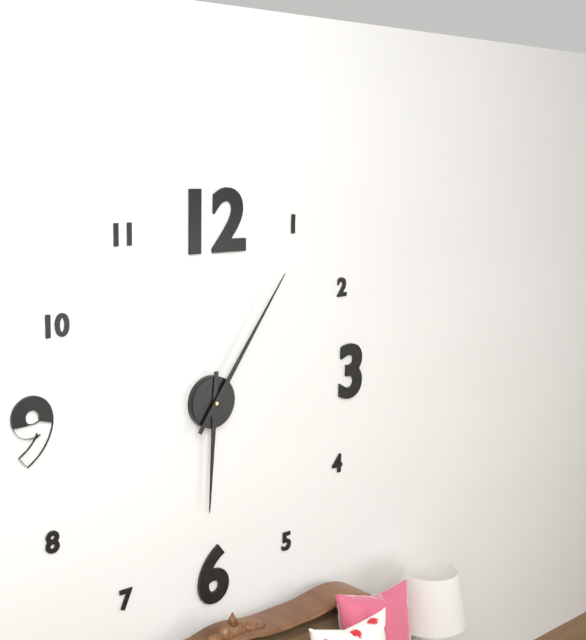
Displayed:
6:06
